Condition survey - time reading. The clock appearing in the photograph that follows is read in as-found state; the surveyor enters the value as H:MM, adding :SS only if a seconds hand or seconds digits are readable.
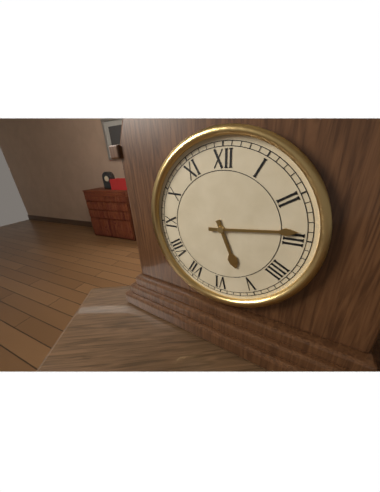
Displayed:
5:14
